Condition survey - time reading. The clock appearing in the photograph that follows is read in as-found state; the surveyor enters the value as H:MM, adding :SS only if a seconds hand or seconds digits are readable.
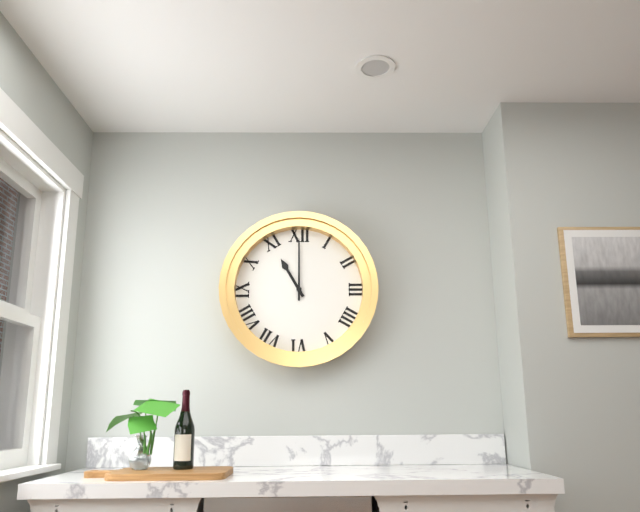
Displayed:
11:00
